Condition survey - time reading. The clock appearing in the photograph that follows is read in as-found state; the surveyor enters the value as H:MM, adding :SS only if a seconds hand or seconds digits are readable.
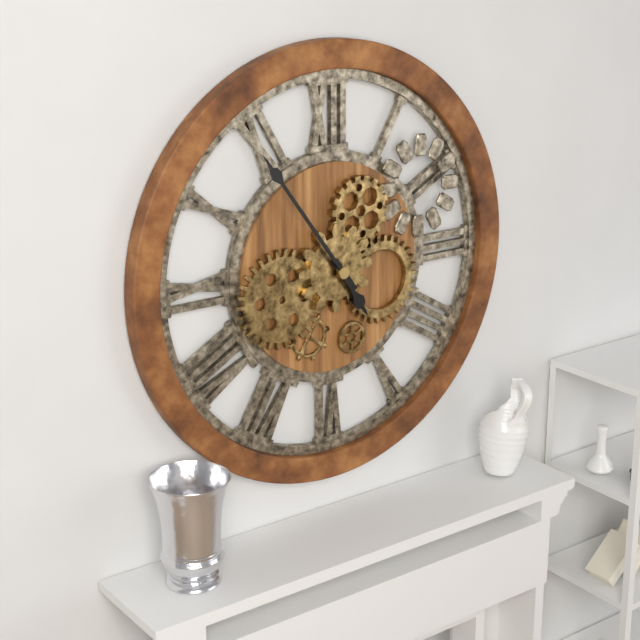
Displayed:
4:54
